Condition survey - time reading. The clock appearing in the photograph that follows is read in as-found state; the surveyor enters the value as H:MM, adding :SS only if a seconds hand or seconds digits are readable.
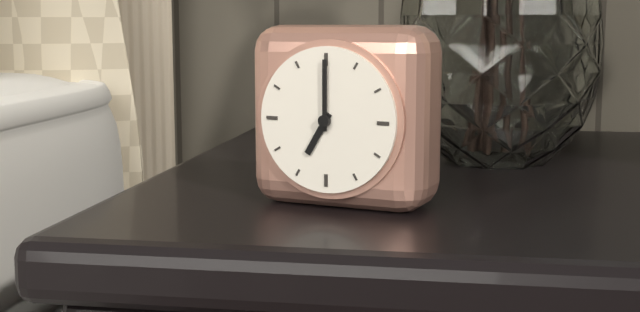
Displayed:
7:00
